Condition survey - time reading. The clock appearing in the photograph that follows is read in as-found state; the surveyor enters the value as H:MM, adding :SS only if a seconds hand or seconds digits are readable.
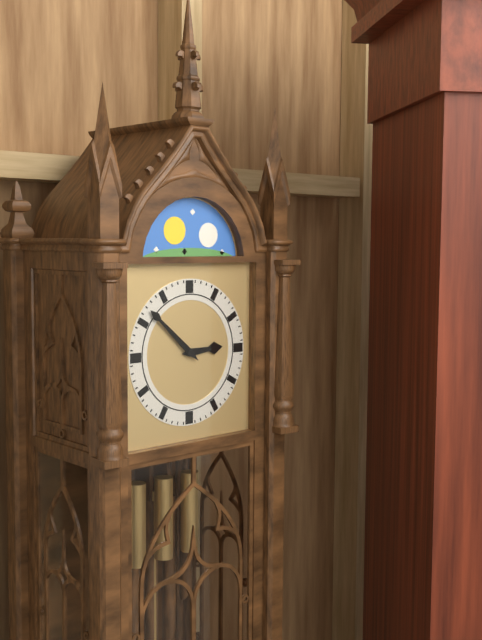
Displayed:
2:52
